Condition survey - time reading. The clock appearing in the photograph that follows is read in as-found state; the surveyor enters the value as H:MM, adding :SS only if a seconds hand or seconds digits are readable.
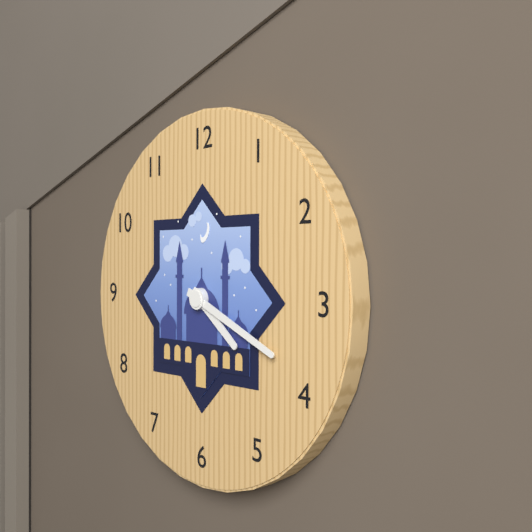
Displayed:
4:19
